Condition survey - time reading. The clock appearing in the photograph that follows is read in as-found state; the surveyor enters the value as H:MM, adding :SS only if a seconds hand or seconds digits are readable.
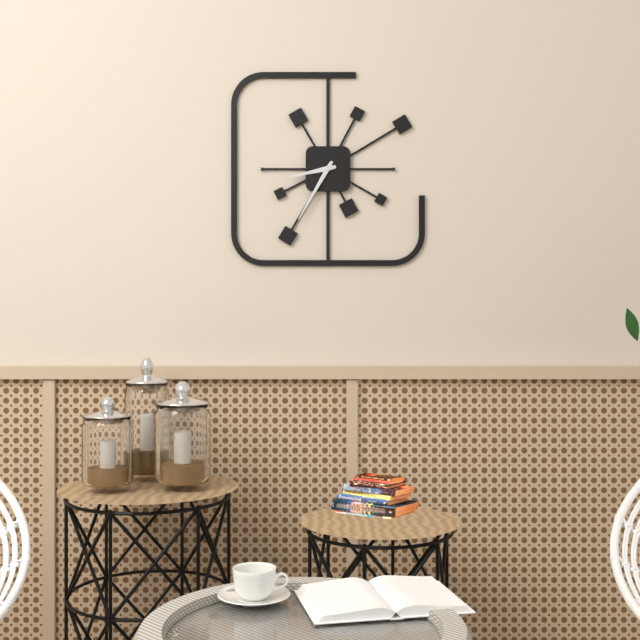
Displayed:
8:35
